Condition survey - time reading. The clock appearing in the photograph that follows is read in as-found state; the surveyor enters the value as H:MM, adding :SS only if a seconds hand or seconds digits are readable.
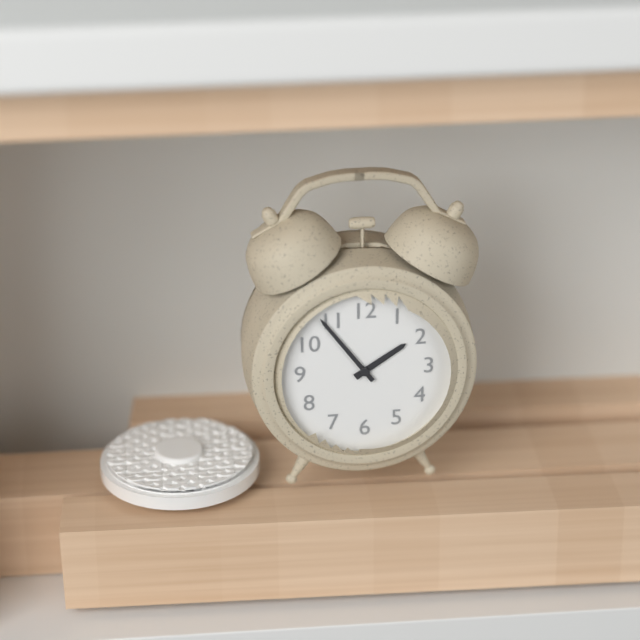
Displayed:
1:54
